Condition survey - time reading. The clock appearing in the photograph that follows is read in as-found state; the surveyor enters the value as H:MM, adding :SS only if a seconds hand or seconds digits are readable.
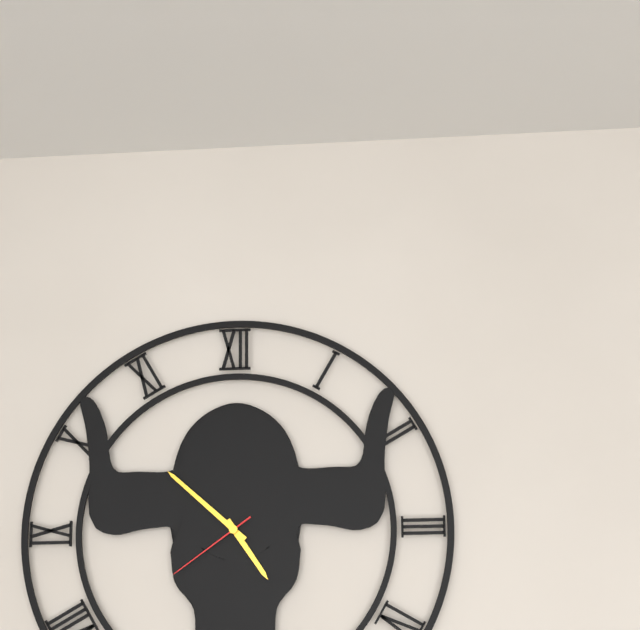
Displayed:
4:52:39
